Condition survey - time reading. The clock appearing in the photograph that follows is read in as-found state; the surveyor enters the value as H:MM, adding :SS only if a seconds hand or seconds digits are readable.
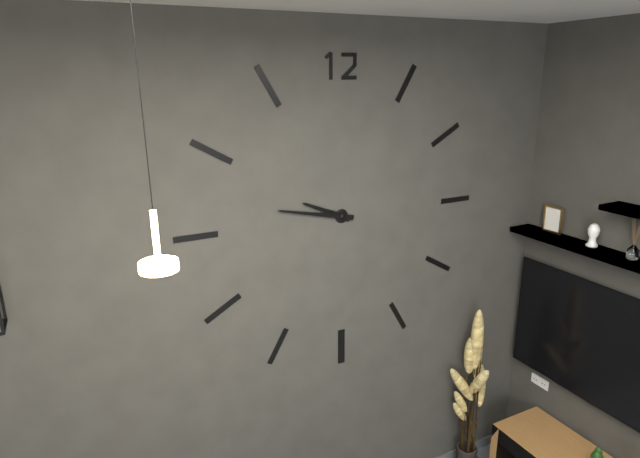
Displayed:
9:47
